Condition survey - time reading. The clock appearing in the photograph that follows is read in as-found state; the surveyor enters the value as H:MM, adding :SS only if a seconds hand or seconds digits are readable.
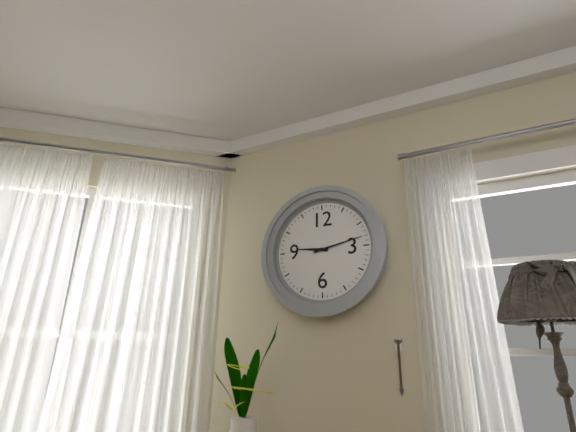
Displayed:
9:13
